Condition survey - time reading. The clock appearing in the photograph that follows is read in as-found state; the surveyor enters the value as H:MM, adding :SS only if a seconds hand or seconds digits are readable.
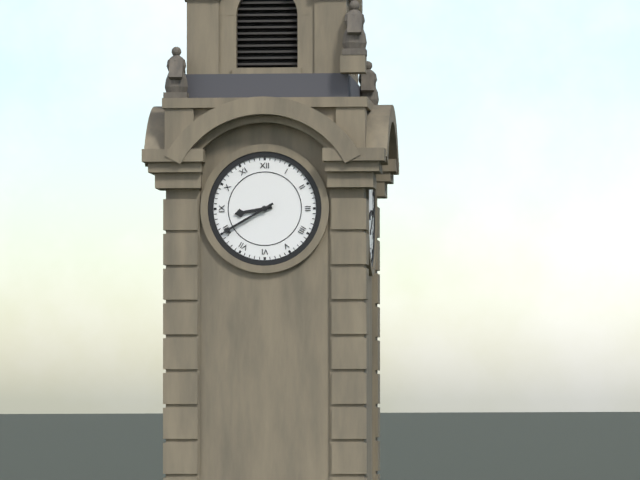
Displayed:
8:40
